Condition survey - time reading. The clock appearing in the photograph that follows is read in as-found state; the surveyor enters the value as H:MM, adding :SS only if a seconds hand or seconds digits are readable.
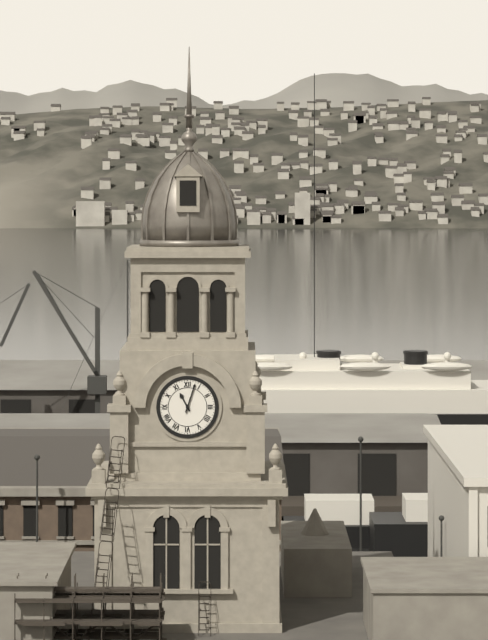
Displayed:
11:03
